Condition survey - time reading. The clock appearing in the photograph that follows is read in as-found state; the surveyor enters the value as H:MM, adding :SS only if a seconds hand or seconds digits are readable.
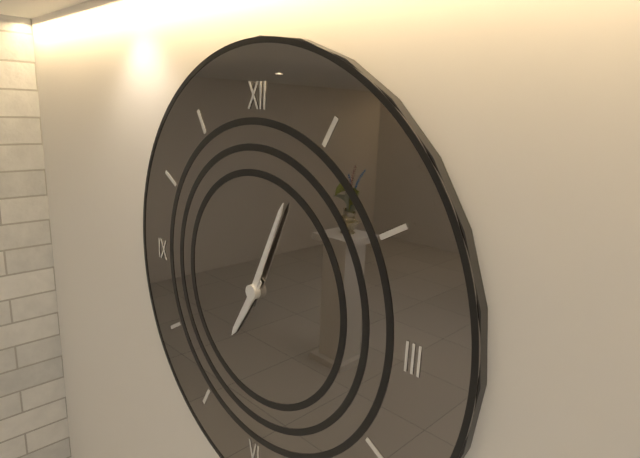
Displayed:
7:04
